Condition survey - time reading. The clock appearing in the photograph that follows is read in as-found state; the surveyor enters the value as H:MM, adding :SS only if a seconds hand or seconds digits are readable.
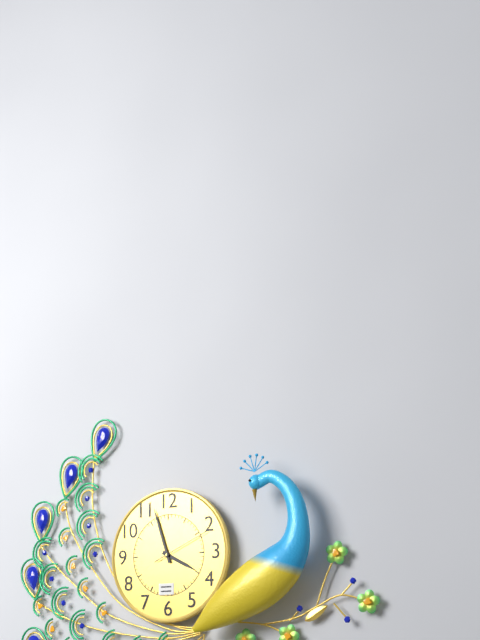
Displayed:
3:57:11
